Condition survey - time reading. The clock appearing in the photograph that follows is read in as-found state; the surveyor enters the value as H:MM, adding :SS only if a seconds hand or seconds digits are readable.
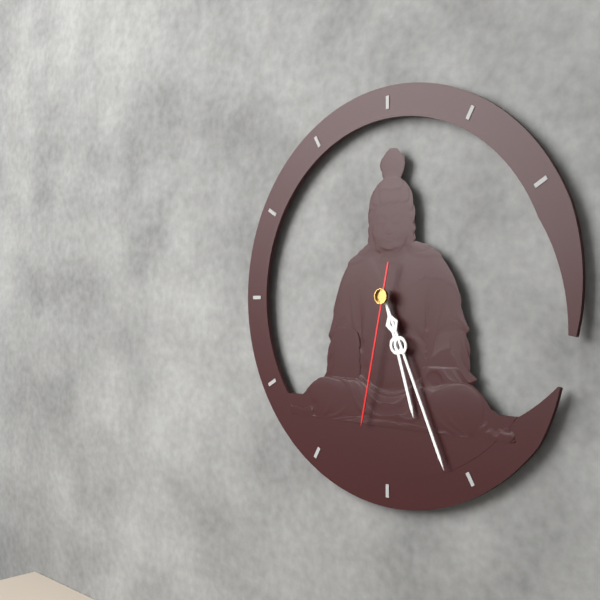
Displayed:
5:26:32
